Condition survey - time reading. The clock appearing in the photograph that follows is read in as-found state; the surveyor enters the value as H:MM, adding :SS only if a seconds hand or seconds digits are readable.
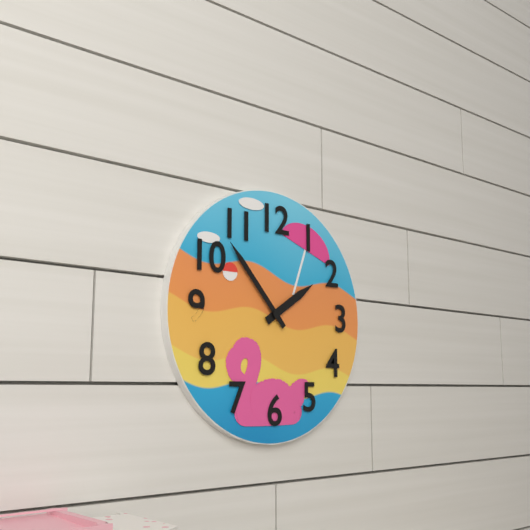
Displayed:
1:53
